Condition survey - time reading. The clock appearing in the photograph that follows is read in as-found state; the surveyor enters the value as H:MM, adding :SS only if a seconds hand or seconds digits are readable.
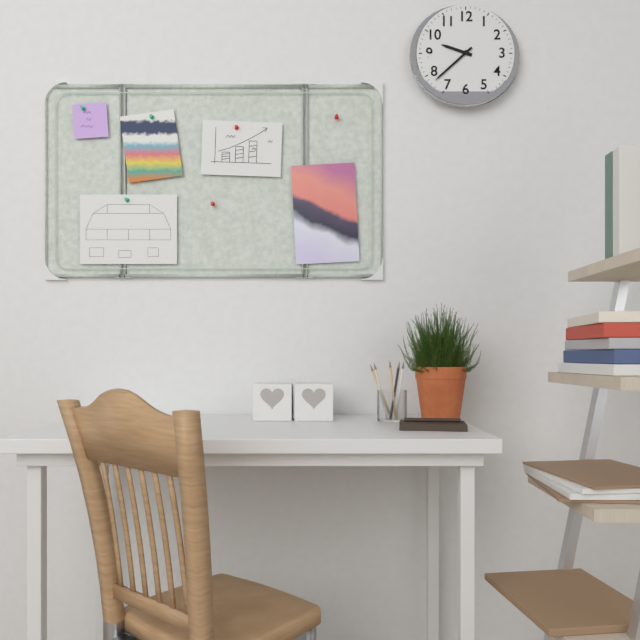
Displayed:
9:38
